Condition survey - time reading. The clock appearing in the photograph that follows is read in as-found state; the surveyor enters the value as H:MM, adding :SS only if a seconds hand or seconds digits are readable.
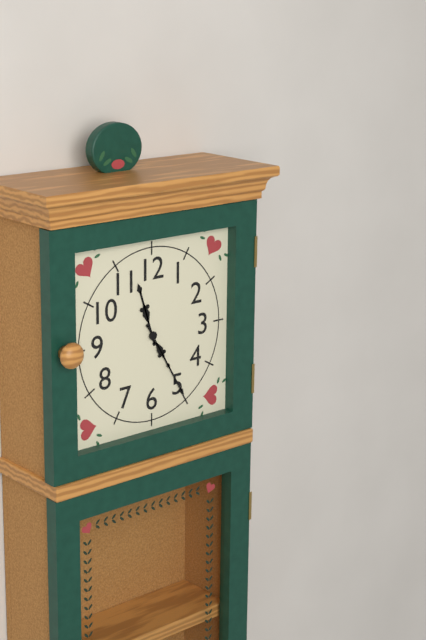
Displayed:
11:25
